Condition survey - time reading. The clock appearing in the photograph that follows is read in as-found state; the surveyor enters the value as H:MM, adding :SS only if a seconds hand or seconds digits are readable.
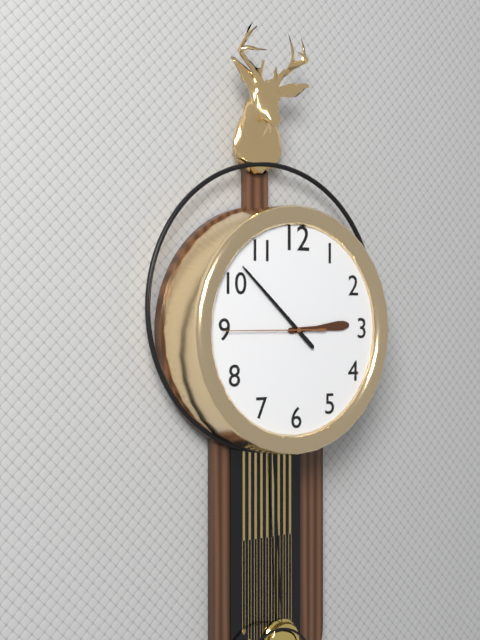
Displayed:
2:52:45
